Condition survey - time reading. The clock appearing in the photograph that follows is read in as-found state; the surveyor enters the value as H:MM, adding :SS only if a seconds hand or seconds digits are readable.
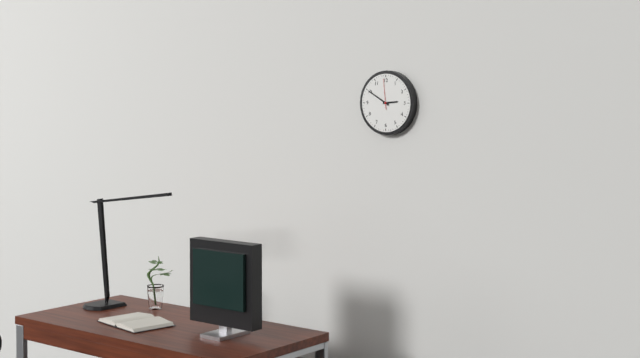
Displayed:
2:50
